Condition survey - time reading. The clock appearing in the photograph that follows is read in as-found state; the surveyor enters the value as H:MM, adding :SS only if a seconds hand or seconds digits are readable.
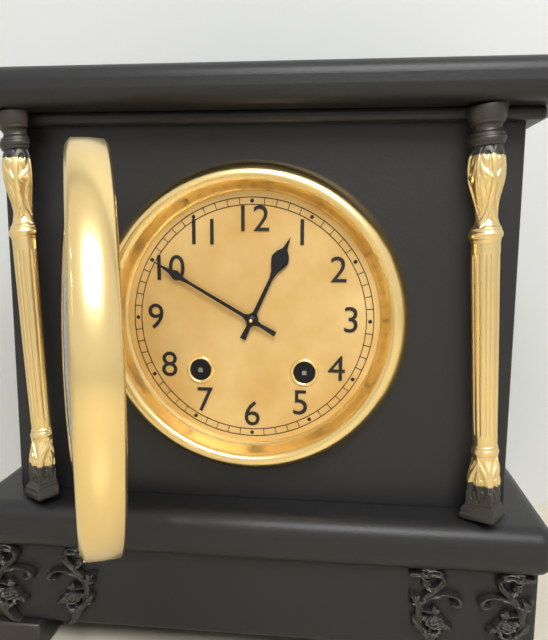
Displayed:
12:50
